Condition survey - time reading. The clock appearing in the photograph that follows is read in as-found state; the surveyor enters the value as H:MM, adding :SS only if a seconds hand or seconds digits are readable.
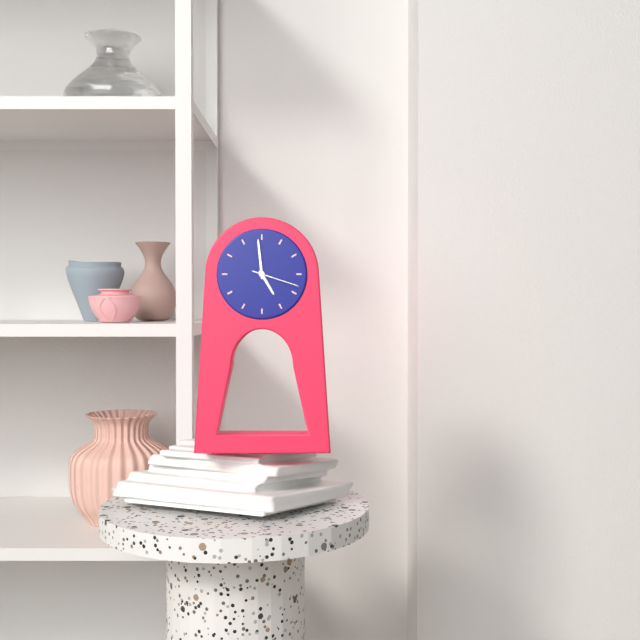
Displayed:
4:59
